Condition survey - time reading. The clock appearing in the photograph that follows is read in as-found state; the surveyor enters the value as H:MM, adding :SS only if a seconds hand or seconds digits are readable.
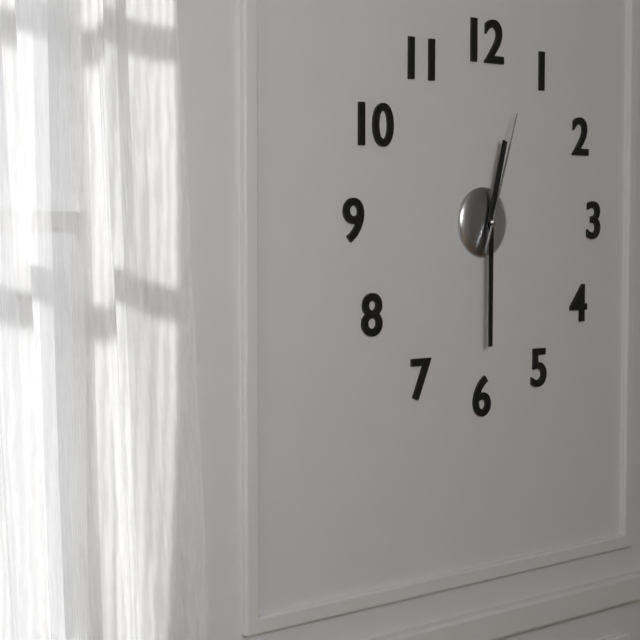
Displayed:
12:30:03
